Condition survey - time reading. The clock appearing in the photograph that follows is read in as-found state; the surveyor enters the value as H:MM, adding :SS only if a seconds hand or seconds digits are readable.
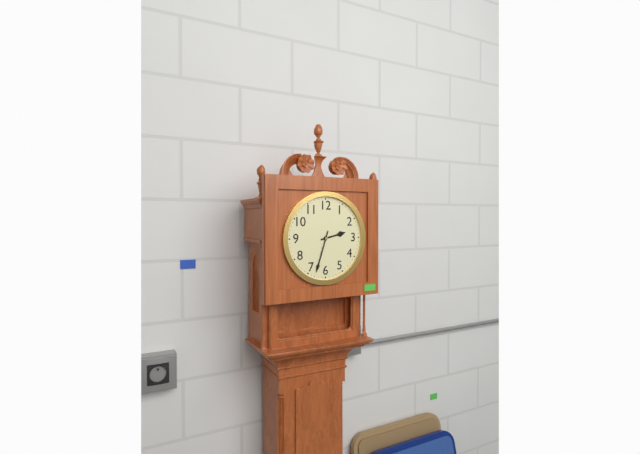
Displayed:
2:33
